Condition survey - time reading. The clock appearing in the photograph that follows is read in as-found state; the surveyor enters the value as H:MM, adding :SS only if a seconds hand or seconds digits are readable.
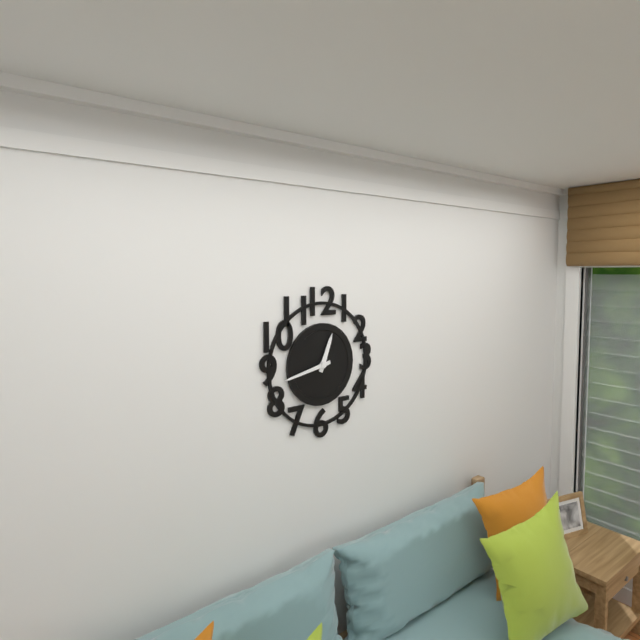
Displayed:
12:43
